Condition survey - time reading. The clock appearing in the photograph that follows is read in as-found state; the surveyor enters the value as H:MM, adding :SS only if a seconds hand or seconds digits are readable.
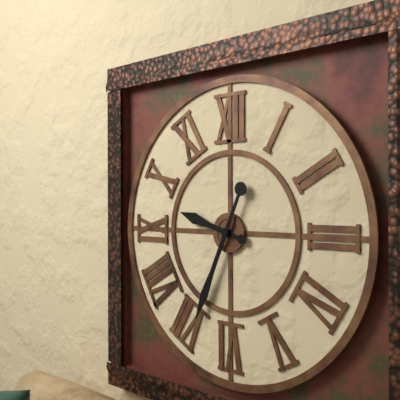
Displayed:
9:34
